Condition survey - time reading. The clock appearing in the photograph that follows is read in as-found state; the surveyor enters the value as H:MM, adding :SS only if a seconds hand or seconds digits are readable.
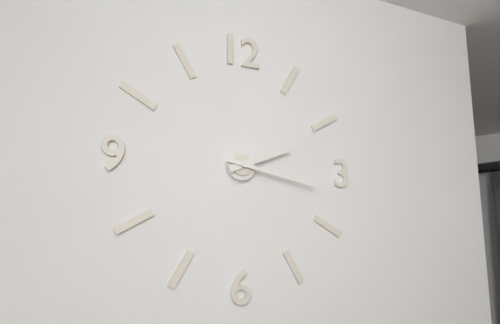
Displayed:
2:17
